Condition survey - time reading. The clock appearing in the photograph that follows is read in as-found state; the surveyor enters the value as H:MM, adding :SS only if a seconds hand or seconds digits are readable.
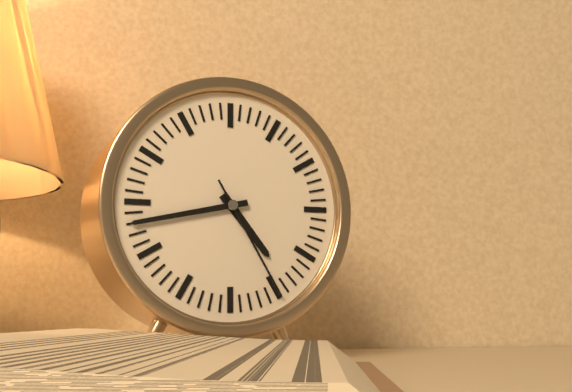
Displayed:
4:43:25
